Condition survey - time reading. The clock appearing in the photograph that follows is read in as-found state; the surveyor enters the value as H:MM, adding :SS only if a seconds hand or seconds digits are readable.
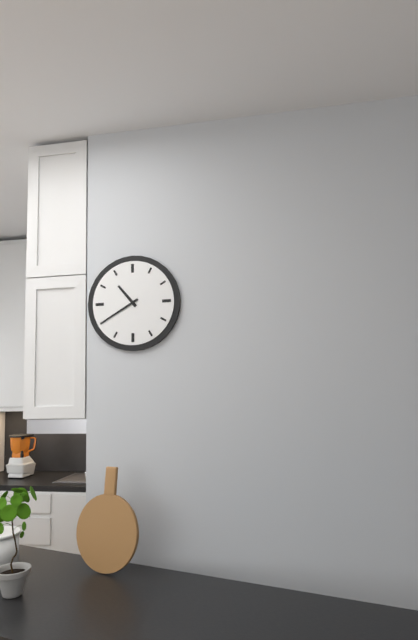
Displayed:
10:40
